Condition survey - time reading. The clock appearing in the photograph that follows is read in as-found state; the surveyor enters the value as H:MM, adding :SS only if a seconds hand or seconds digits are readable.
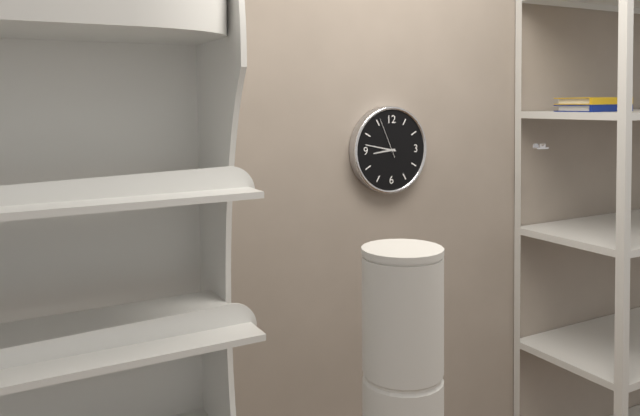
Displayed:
8:47
